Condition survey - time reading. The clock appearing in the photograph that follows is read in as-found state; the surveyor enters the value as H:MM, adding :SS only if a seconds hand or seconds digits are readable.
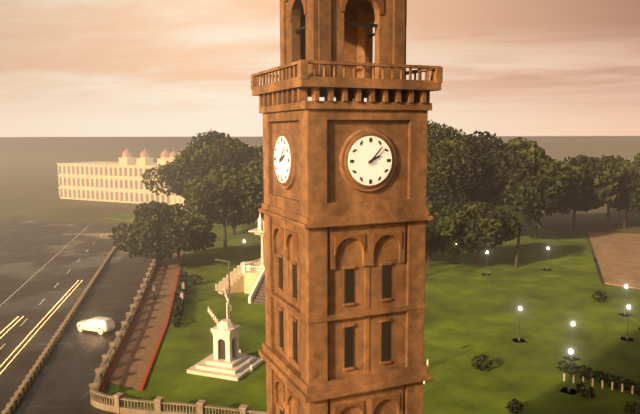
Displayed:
2:07
